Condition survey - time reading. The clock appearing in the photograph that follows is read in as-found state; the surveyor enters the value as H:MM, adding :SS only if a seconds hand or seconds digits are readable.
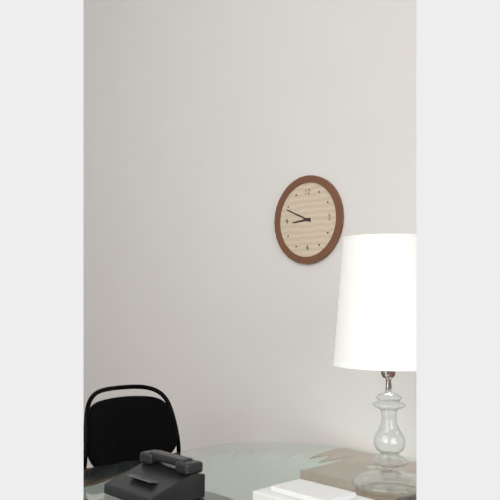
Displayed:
8:49
